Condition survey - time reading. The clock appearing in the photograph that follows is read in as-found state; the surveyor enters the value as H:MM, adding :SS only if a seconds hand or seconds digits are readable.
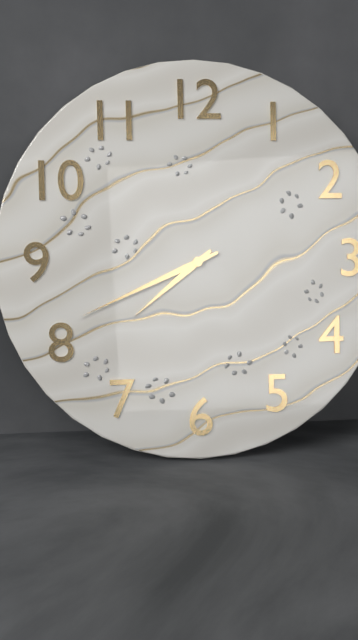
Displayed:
7:41
